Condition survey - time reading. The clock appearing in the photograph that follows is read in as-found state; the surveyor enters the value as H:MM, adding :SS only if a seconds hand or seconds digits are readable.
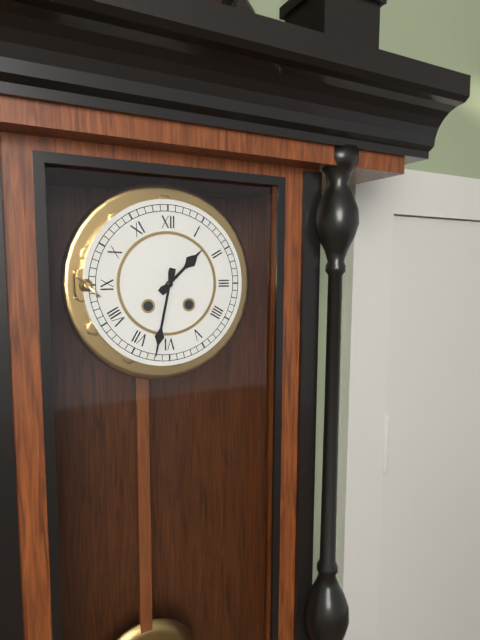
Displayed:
1:32
